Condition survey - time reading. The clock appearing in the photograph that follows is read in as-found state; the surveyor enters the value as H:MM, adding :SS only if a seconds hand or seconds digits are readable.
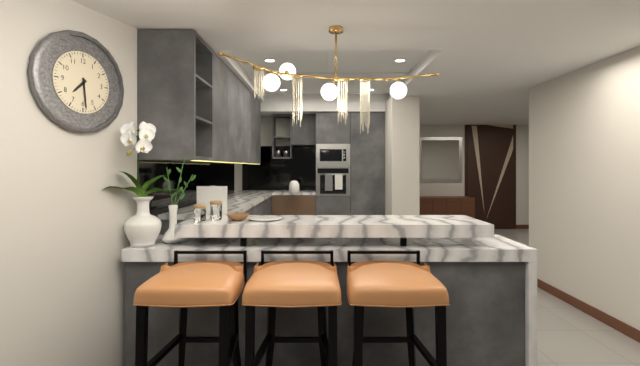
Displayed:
7:29
